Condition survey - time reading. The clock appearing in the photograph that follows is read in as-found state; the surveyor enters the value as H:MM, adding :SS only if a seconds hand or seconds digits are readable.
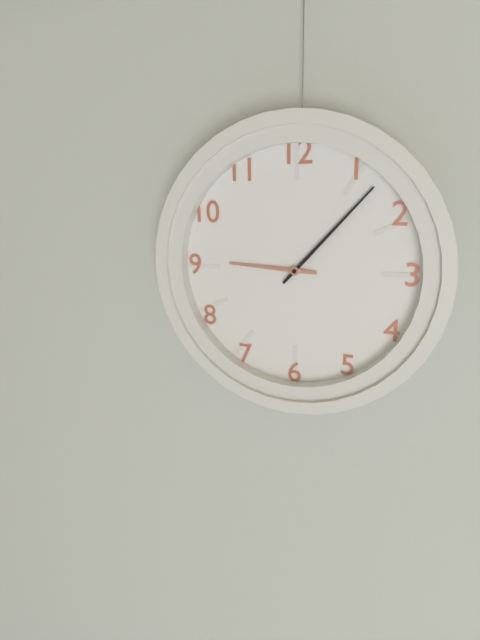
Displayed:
9:07
